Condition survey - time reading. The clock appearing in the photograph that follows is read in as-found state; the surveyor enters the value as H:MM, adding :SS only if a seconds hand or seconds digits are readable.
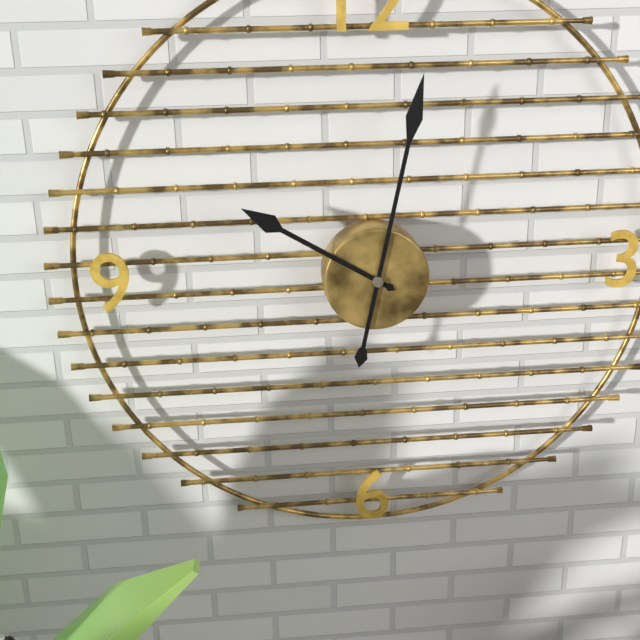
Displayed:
10:02
